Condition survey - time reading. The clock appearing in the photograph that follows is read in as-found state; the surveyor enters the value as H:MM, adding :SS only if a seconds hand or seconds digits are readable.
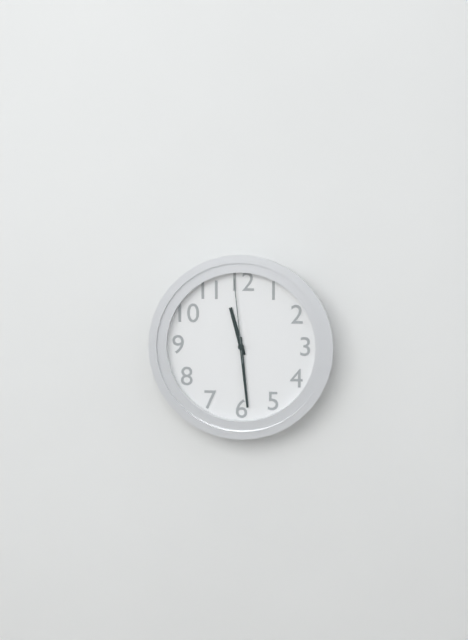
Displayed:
11:29:59
